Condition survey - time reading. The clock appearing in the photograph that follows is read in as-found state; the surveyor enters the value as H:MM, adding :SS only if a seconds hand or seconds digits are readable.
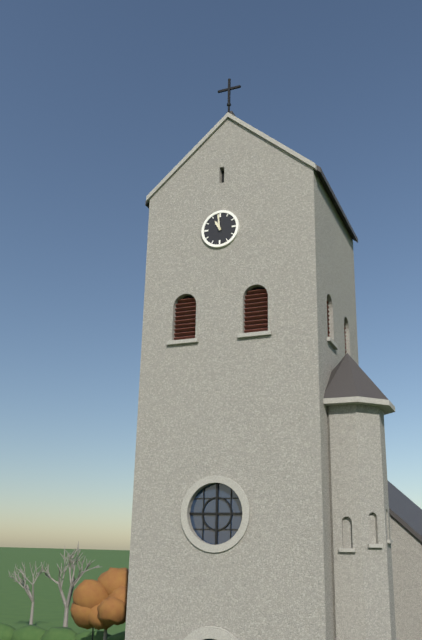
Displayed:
10:59
